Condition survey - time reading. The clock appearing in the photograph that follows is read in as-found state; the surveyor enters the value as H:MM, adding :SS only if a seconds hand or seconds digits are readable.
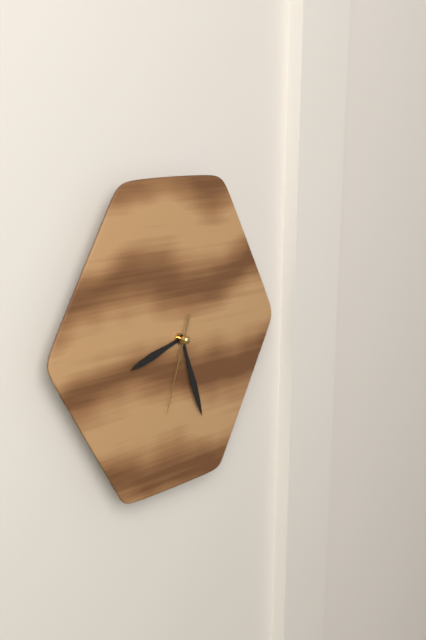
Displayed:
8:27:33
